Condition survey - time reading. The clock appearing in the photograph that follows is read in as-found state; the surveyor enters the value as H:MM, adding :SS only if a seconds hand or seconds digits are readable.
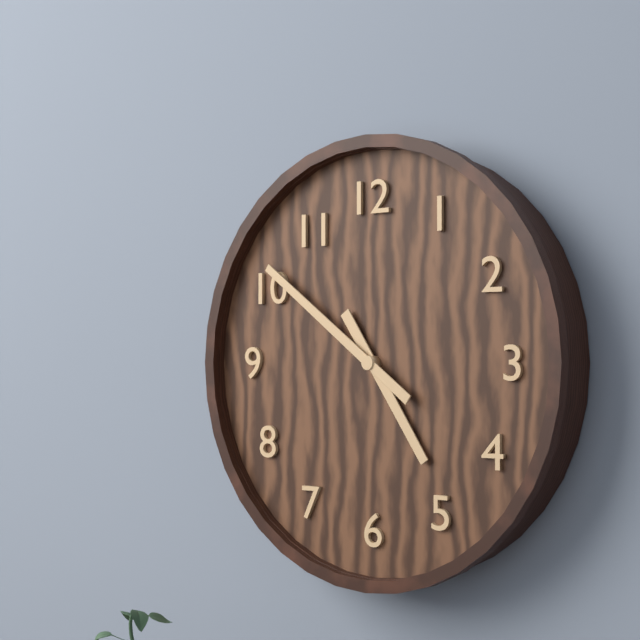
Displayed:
4:51
